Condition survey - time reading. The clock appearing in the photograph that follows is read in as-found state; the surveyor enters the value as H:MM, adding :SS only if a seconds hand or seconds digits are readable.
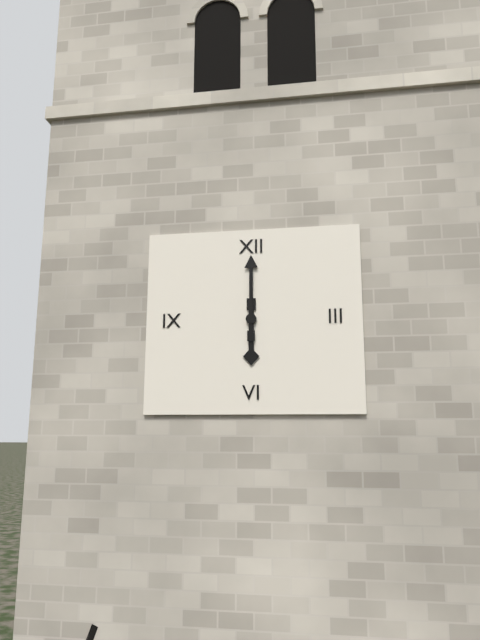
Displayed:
6:00
